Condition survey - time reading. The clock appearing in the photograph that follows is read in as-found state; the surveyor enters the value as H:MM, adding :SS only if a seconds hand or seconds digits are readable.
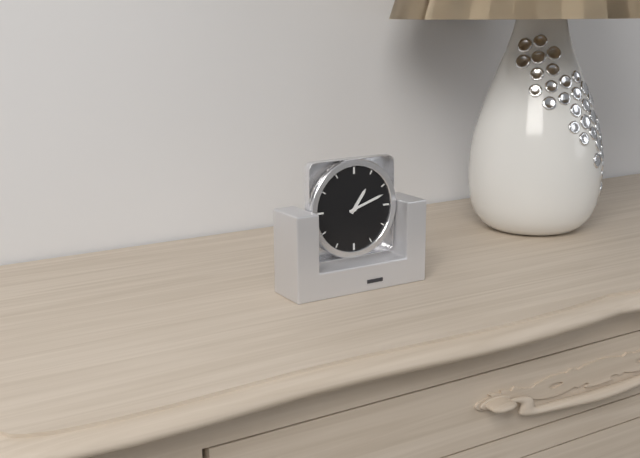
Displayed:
1:12
